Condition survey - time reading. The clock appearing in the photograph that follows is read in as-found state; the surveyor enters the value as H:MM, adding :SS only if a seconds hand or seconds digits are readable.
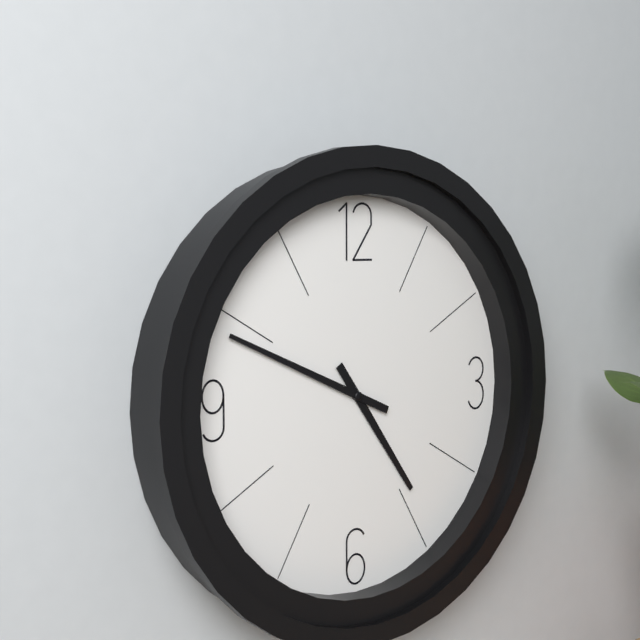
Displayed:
4:49
